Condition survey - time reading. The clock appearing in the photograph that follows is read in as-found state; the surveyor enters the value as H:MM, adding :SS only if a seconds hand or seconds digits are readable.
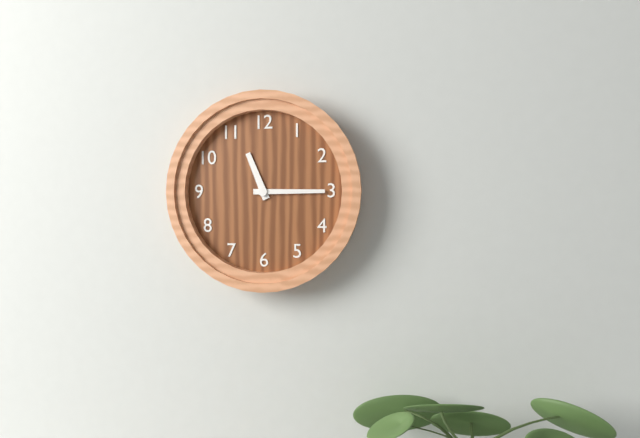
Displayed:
11:15
